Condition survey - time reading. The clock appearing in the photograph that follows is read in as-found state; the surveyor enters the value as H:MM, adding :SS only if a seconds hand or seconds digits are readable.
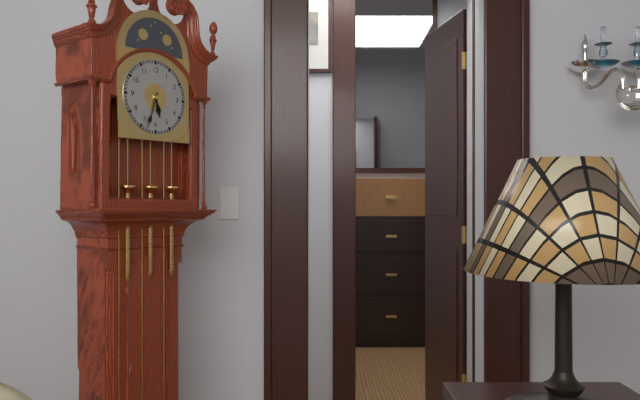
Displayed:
5:33
